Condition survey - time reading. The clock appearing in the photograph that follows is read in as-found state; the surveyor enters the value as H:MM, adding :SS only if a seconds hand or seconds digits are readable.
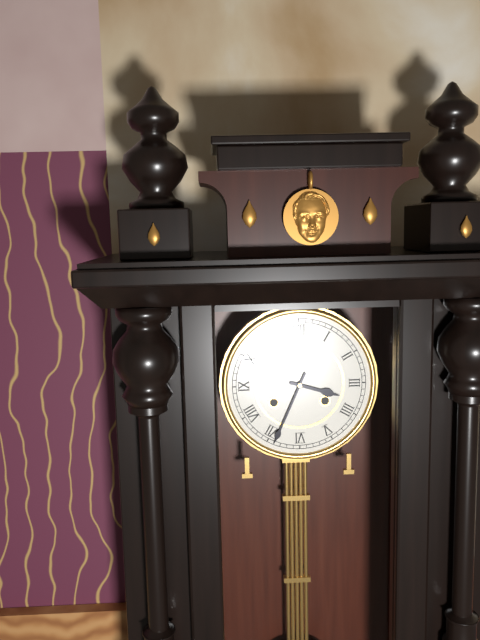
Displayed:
3:34
